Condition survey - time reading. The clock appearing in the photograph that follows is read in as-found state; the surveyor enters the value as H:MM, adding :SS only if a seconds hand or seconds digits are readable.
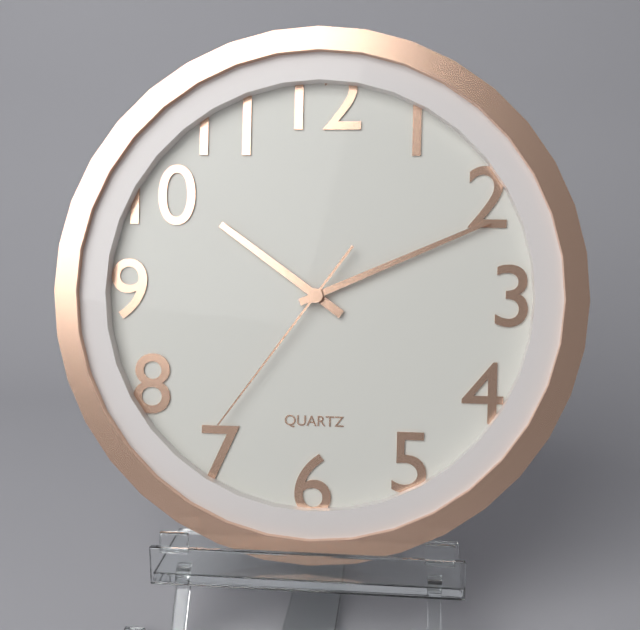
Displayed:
10:11:36
